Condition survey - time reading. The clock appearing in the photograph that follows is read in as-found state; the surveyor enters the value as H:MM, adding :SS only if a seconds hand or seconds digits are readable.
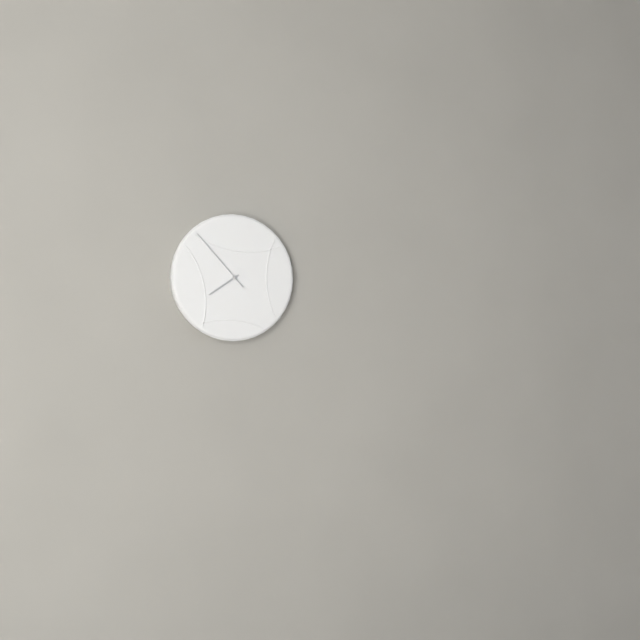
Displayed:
7:53
